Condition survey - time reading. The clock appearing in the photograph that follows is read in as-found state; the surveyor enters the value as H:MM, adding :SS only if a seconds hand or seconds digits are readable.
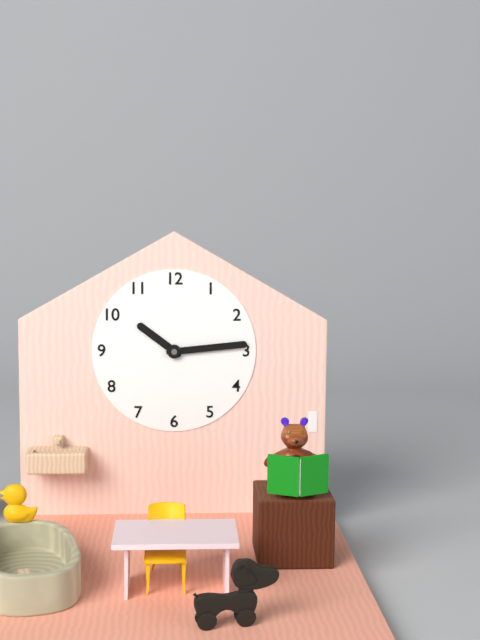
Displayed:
10:14
